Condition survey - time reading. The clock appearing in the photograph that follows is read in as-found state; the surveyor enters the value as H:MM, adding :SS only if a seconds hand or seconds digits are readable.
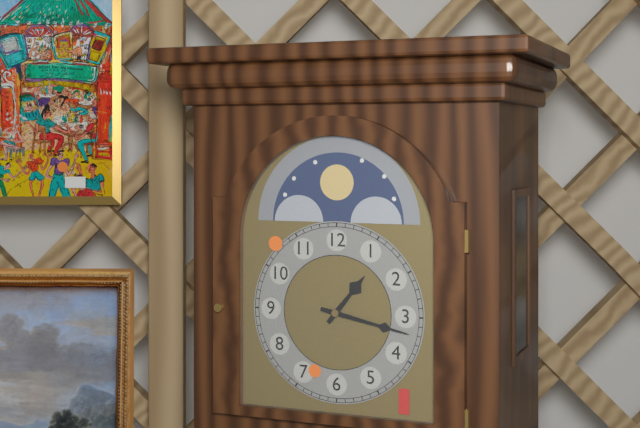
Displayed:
1:17
